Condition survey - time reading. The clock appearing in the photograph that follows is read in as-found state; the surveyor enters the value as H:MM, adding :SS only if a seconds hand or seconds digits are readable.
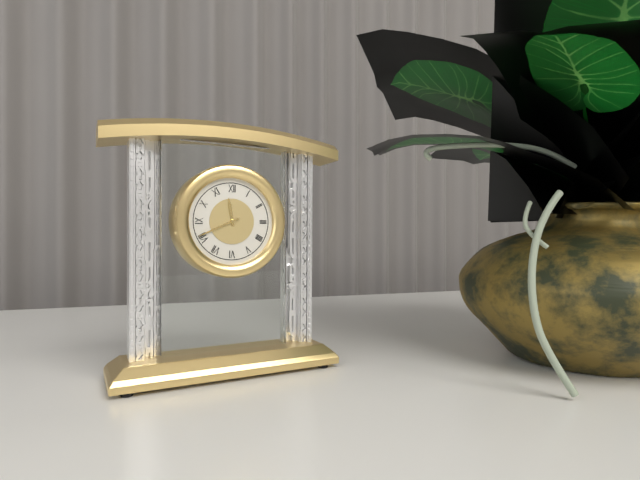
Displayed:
11:41
